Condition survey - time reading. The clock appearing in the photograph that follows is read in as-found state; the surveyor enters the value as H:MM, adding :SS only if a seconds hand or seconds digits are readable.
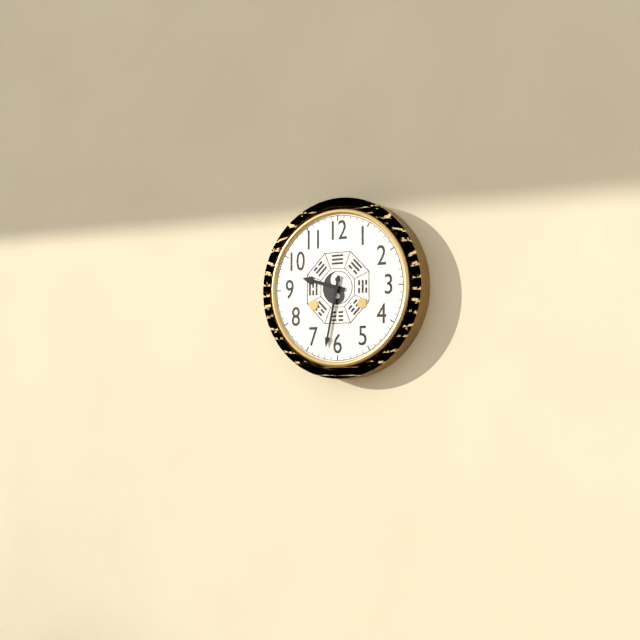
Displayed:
9:32
